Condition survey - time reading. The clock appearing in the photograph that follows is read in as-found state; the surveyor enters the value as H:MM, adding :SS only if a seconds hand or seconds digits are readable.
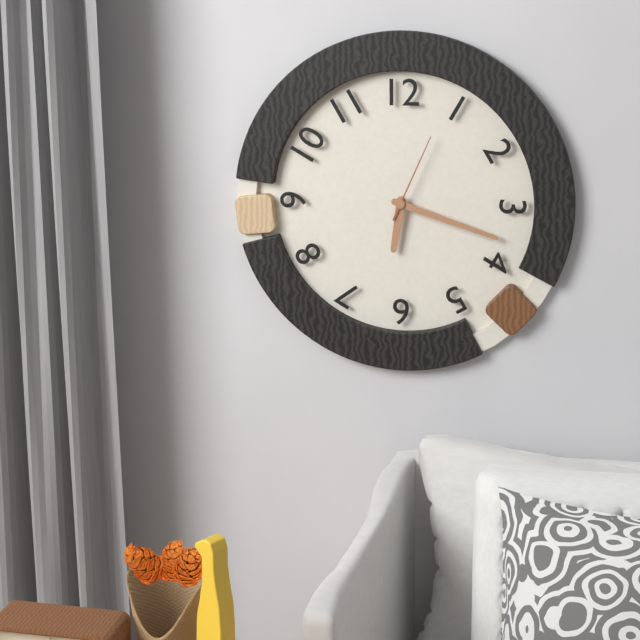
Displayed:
6:18:04
